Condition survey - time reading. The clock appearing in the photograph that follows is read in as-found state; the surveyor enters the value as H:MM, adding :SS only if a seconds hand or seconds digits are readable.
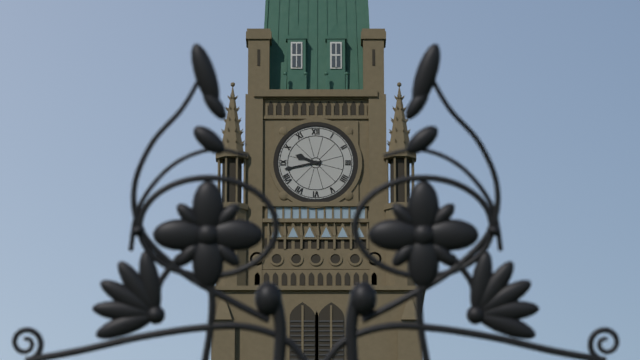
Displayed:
9:43
